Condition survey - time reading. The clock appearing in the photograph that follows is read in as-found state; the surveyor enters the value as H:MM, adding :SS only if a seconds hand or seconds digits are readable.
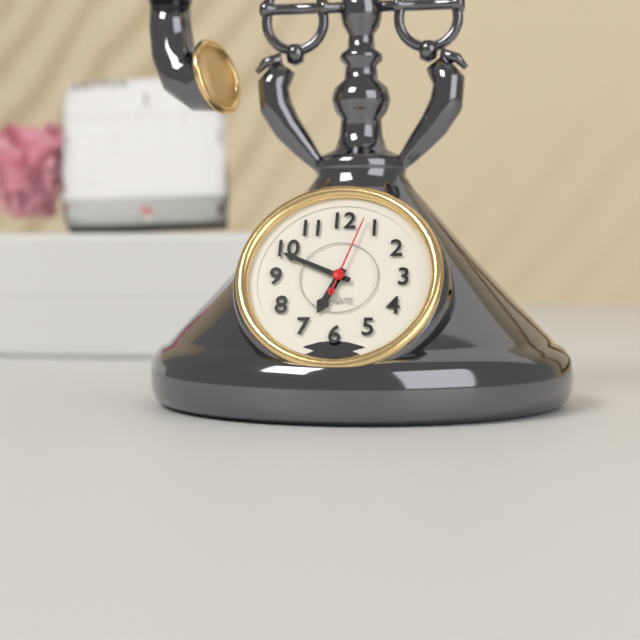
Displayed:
6:49:03
